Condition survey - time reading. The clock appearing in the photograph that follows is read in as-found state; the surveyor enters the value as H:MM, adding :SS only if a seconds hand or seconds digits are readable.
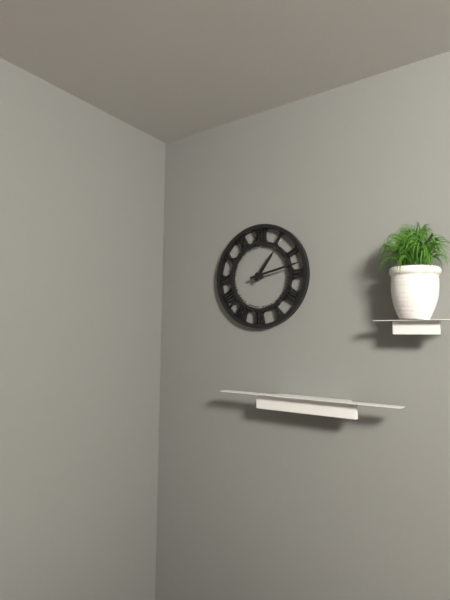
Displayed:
1:13
